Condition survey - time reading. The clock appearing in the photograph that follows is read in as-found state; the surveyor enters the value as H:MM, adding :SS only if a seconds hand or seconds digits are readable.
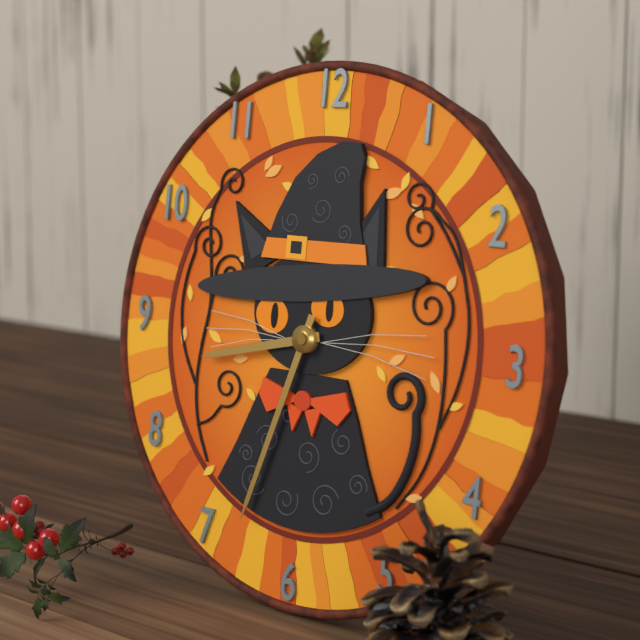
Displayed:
8:33
